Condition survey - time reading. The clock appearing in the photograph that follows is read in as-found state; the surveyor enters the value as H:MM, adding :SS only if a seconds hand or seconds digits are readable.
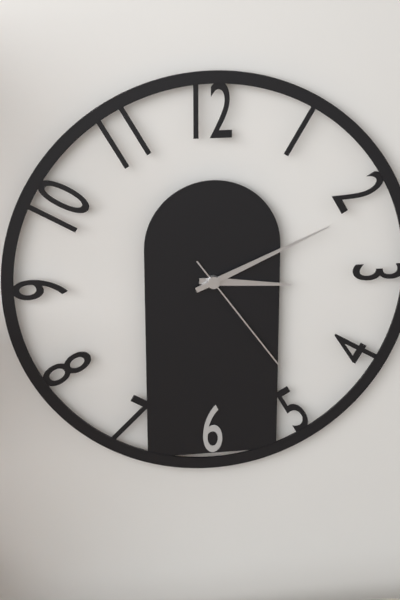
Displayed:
3:11:24
